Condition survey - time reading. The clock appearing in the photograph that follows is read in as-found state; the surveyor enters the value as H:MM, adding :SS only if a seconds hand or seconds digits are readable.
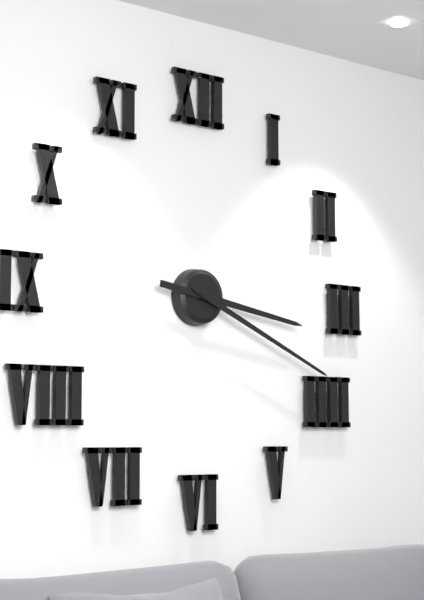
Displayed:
3:19
